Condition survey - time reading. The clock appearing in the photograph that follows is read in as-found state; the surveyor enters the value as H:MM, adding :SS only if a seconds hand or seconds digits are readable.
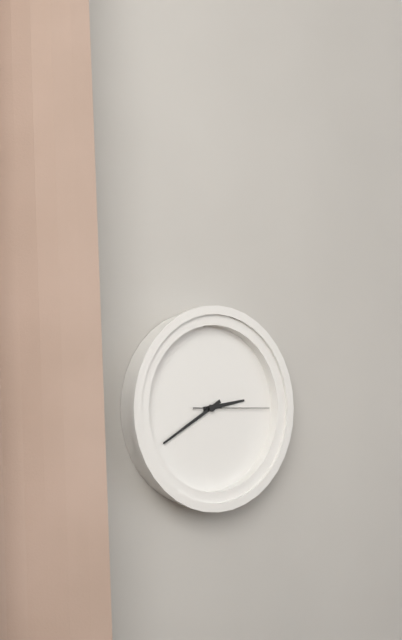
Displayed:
2:40:15
